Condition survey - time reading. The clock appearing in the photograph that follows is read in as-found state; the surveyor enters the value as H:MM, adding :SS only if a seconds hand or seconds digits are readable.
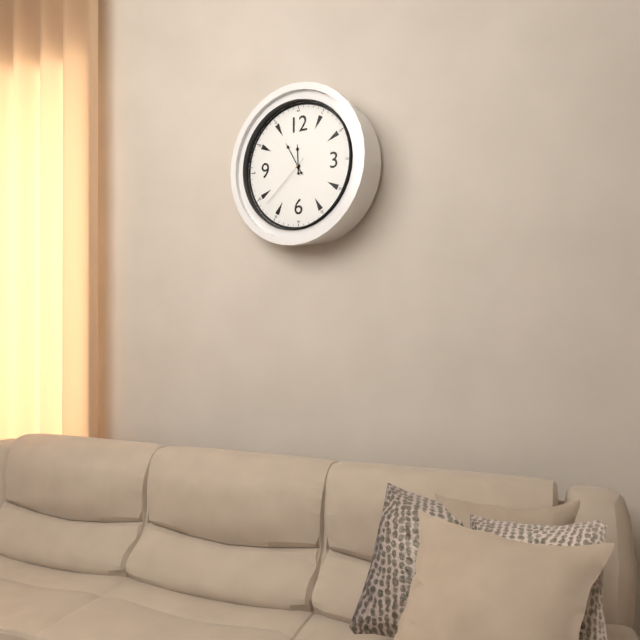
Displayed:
11:55:38
